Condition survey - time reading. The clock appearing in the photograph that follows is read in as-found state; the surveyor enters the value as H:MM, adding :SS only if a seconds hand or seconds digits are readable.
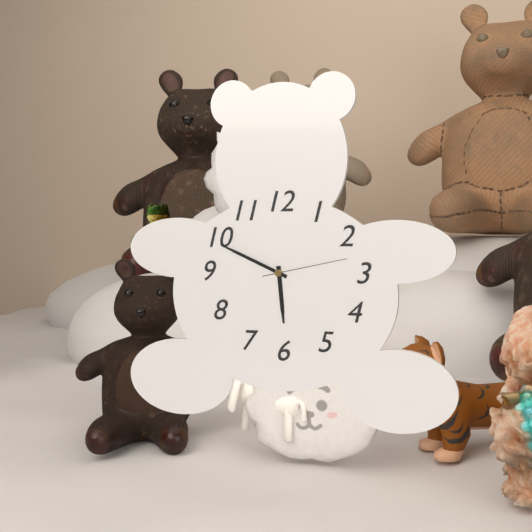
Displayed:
5:49:13
